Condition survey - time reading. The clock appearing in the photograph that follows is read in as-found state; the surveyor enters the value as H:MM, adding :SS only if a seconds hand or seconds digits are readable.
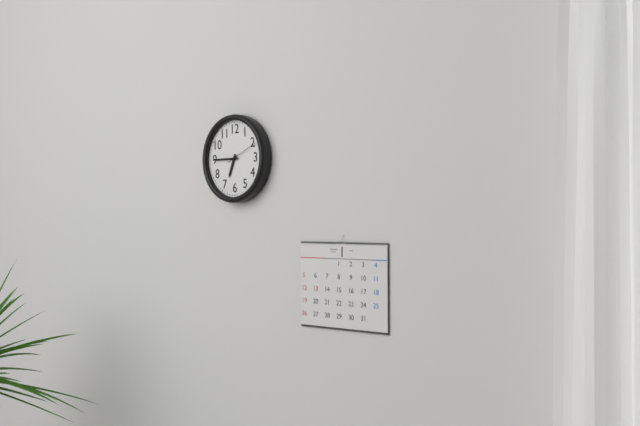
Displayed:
6:45
